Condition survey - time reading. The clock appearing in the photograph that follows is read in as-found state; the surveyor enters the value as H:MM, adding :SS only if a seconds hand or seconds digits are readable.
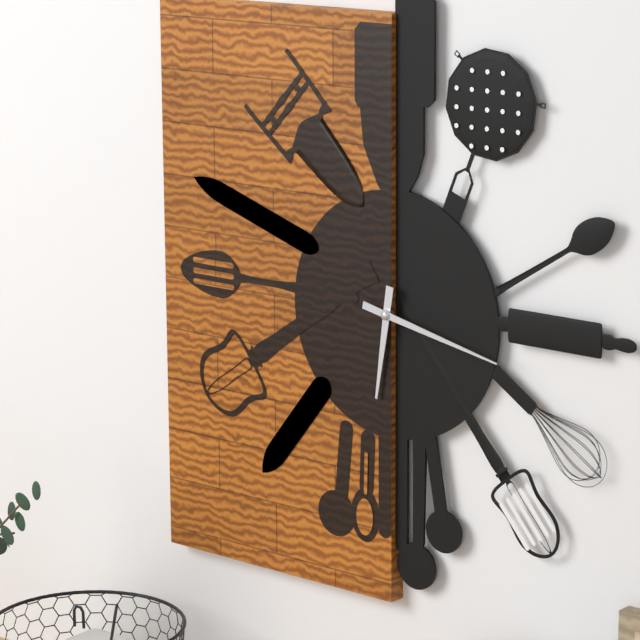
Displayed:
6:17
